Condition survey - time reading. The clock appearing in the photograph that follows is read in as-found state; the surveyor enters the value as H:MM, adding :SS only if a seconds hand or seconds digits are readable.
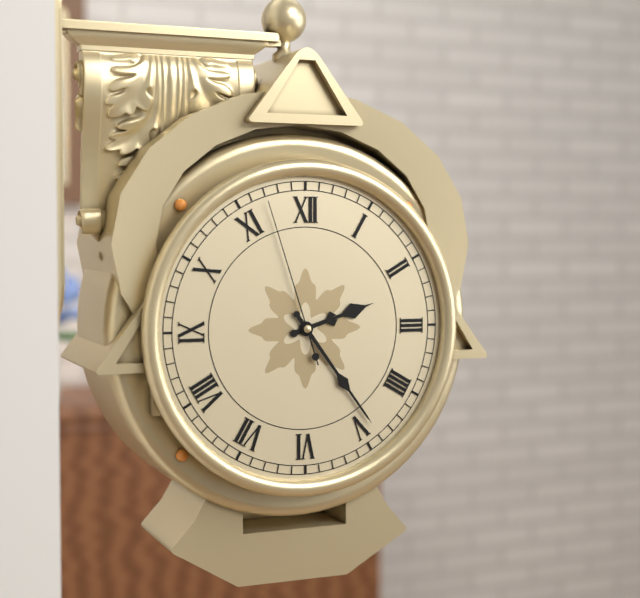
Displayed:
2:24:57
